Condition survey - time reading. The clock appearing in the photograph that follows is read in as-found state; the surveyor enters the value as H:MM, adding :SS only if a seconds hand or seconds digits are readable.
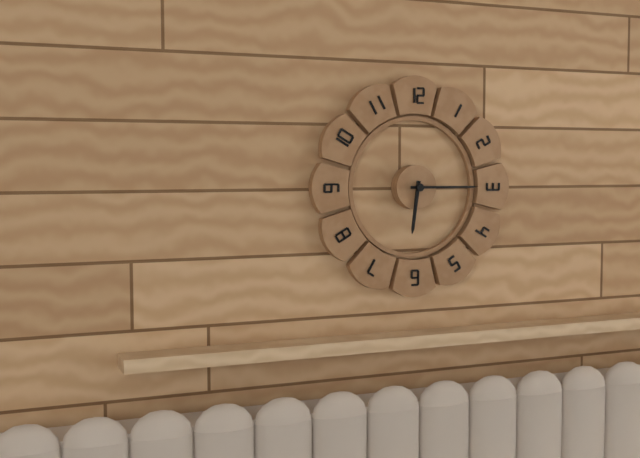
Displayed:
6:15
